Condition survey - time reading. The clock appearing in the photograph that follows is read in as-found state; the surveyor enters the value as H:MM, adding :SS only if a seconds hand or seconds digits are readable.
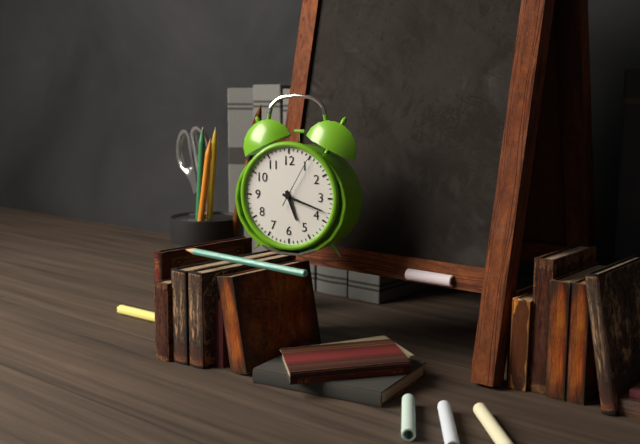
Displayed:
5:18:05
